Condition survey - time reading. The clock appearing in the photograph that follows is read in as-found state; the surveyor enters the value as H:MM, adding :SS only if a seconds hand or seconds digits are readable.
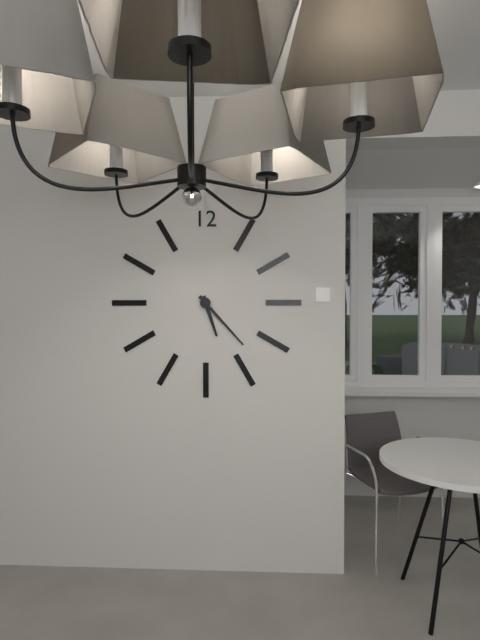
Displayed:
5:23
